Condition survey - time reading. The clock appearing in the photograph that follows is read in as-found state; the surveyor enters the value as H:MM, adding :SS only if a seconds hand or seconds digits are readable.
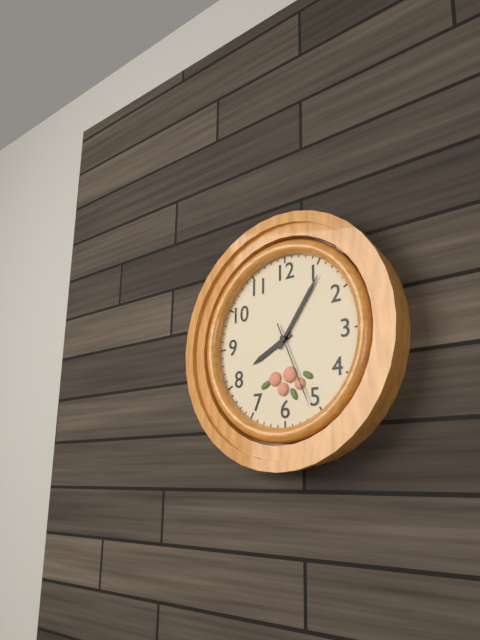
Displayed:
8:06:26
